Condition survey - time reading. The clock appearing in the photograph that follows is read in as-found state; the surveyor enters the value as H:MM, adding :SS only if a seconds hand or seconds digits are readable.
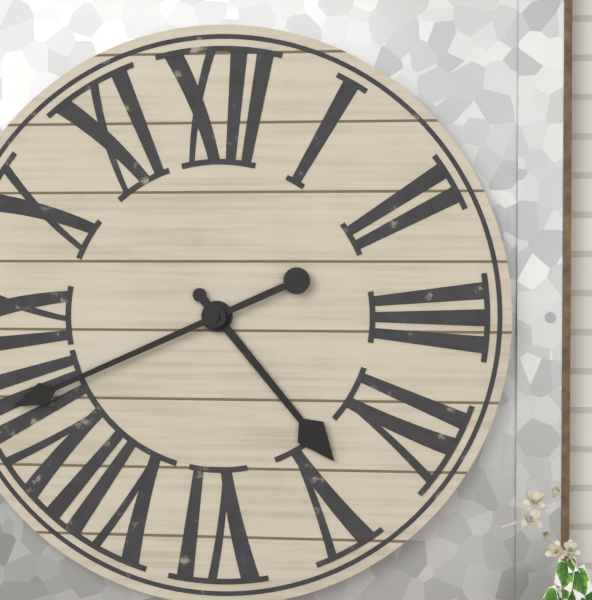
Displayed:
4:41
